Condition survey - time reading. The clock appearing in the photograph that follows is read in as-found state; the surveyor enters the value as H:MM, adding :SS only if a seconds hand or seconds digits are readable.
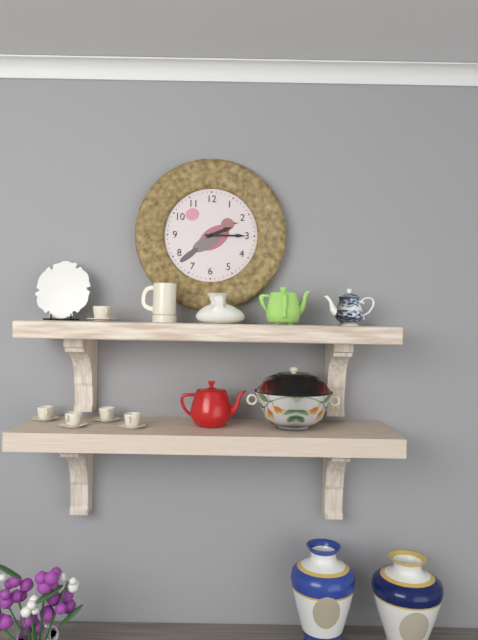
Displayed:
2:15
